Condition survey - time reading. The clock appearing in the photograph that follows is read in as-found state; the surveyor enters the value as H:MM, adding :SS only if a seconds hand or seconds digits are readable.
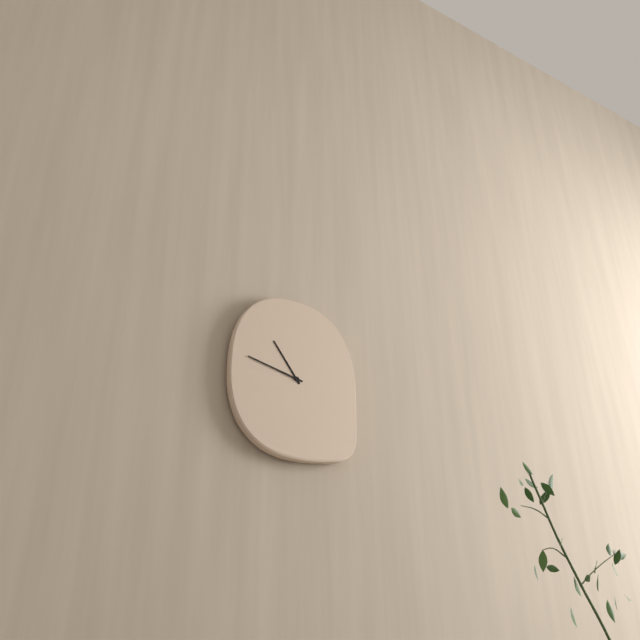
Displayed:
10:47
